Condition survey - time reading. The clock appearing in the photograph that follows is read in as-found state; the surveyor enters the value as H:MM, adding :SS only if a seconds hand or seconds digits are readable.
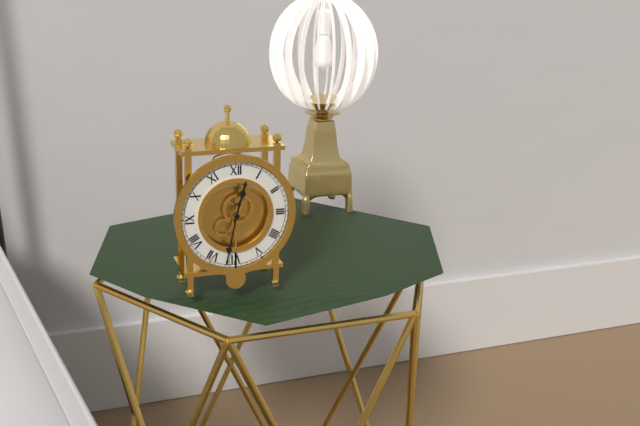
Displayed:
12:32
